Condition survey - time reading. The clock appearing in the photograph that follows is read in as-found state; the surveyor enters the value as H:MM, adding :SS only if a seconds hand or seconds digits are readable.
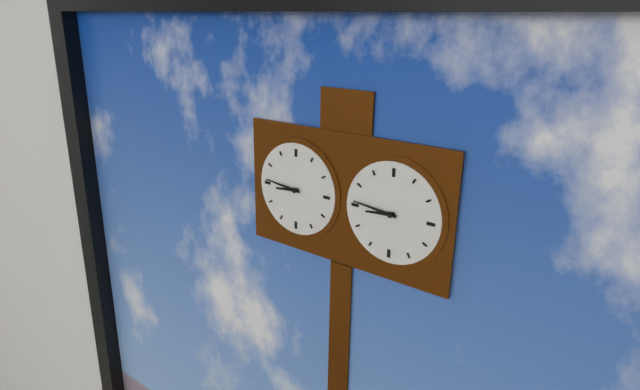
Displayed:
8:46
